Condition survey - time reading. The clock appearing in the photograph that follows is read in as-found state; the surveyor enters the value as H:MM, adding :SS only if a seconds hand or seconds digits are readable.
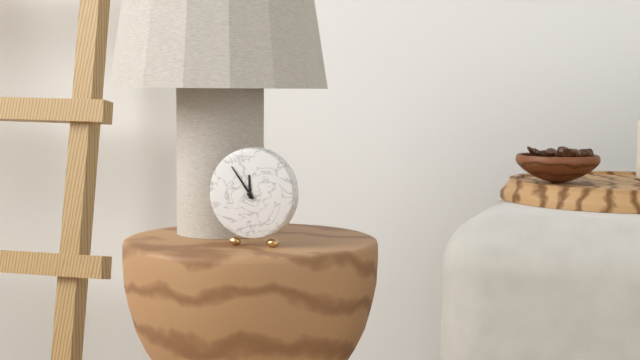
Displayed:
11:54
